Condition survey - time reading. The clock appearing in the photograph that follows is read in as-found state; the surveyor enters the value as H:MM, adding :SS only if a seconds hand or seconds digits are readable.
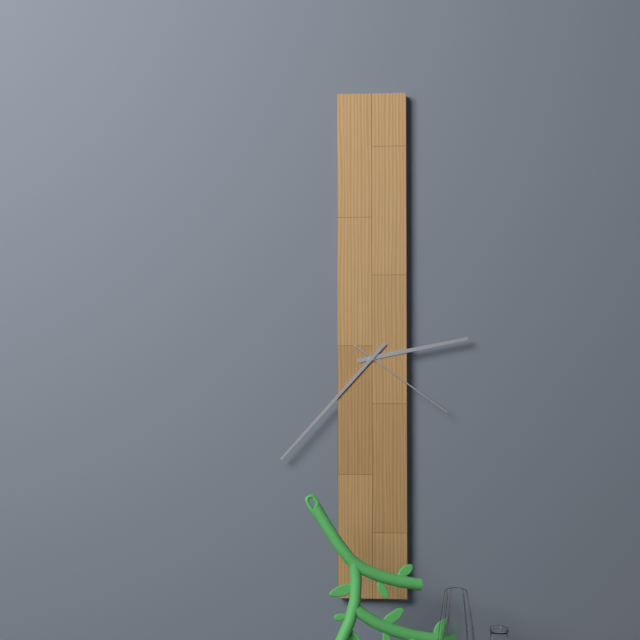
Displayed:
2:37:21
